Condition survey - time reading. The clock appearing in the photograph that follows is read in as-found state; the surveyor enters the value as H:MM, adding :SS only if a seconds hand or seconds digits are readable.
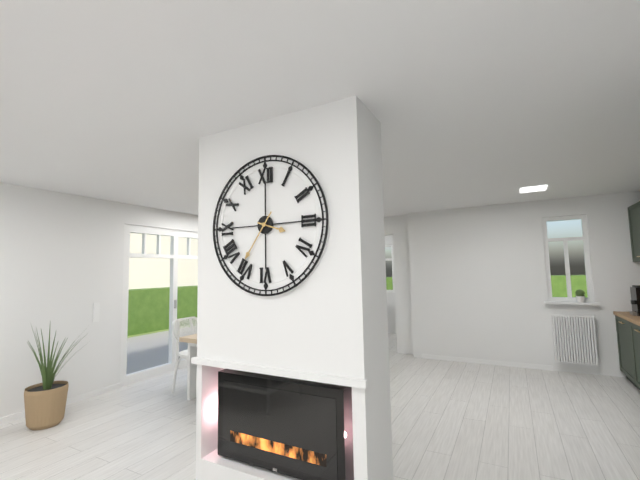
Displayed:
3:36
